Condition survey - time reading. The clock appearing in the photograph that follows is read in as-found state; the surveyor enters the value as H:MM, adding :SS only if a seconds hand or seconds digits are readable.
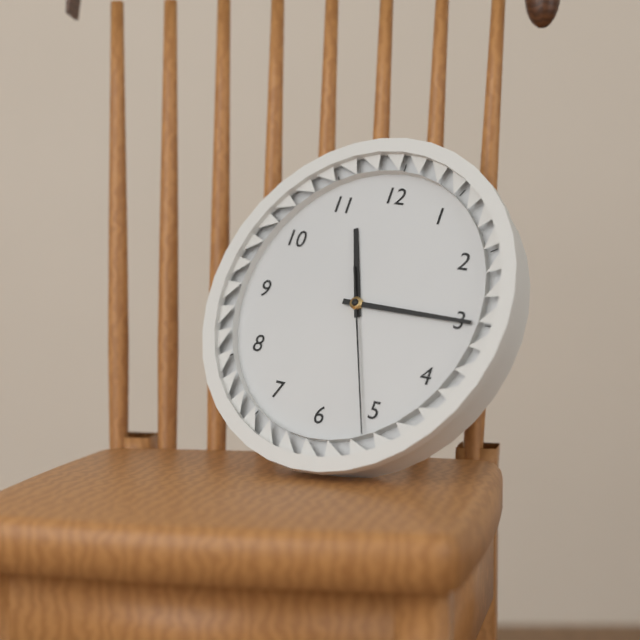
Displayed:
11:15:26
